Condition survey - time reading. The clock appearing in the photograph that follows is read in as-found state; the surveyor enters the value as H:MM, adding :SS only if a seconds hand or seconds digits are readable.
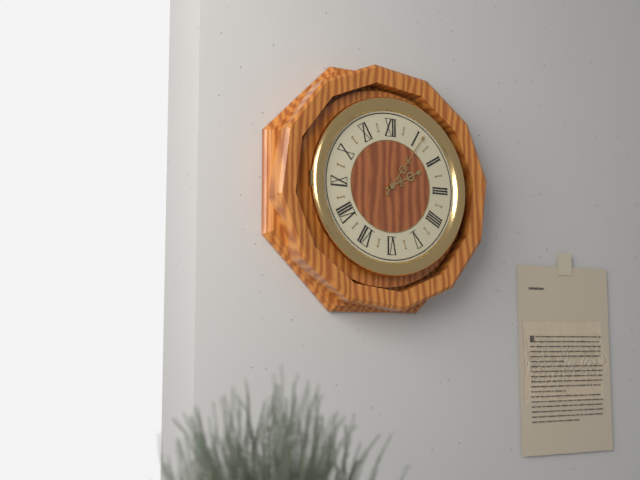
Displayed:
2:06
